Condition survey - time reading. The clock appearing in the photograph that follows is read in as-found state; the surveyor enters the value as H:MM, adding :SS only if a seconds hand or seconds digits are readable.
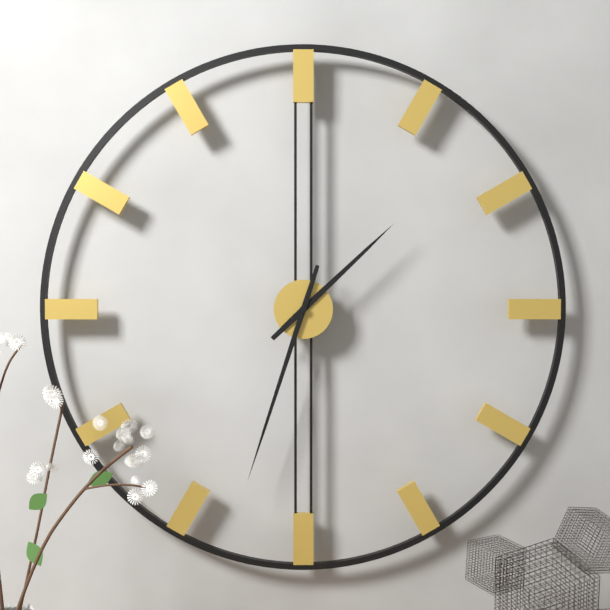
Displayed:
1:33
